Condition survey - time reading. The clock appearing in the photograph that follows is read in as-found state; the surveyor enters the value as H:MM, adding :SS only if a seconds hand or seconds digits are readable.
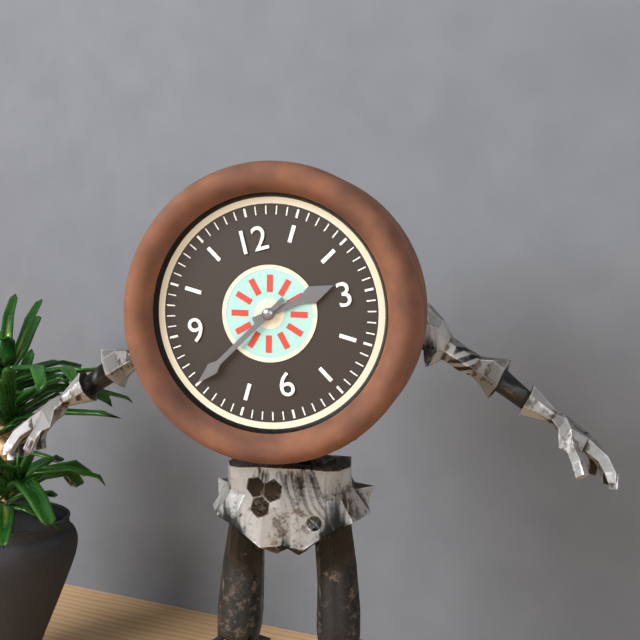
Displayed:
2:40
